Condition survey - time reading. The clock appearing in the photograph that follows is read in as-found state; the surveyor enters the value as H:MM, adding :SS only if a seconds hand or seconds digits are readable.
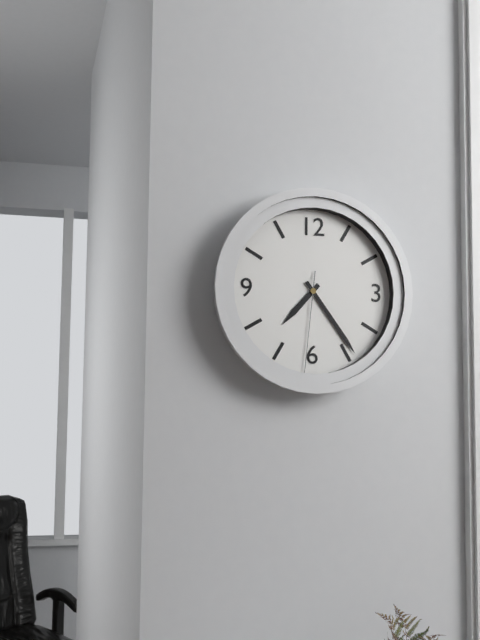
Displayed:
7:24:31
